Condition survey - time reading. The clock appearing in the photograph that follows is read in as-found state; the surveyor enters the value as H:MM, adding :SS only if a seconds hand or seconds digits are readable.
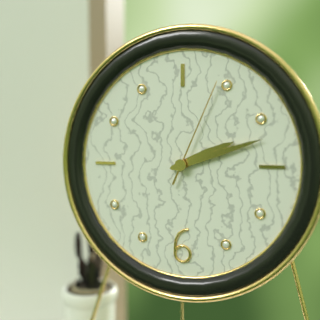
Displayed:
2:12:04
